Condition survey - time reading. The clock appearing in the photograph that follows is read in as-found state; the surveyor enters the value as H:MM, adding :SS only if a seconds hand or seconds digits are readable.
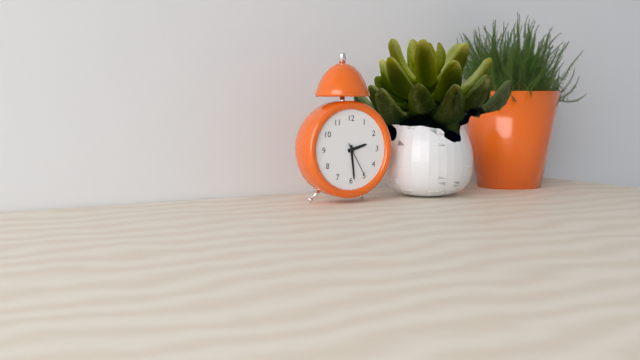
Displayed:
2:29
